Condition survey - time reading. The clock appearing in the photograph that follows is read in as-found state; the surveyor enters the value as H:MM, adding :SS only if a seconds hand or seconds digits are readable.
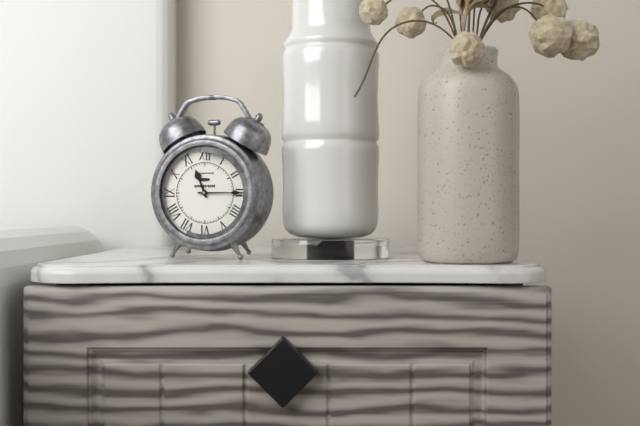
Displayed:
11:15
